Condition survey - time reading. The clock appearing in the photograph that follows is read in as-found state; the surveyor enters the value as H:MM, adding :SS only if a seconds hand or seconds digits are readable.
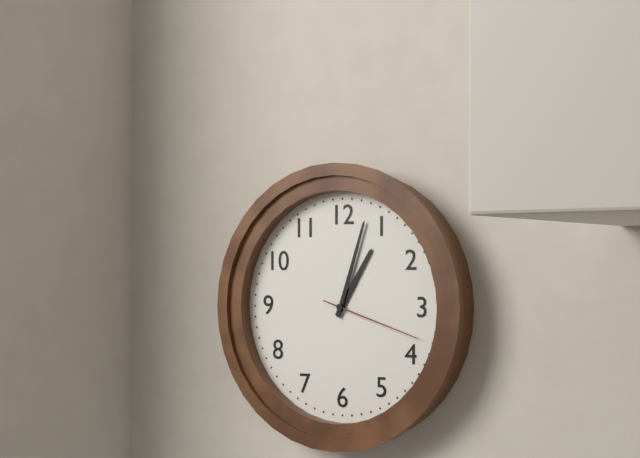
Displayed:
1:03:18
